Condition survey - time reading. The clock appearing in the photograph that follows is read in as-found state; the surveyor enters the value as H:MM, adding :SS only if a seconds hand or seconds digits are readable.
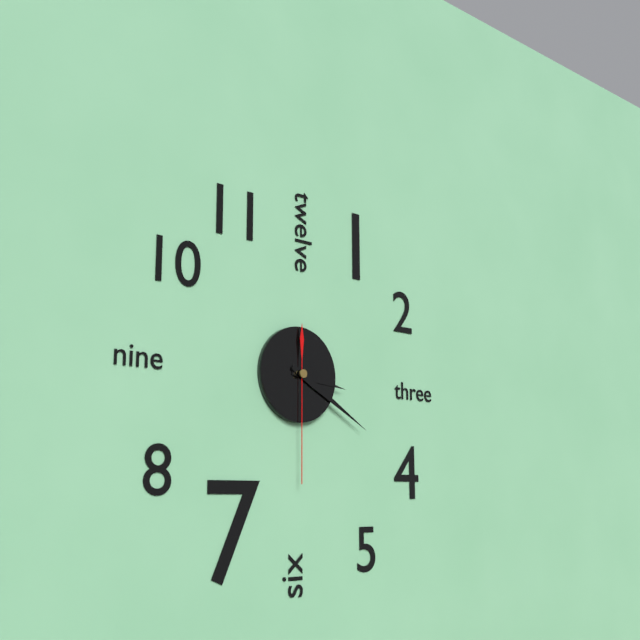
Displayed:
3:20:30
